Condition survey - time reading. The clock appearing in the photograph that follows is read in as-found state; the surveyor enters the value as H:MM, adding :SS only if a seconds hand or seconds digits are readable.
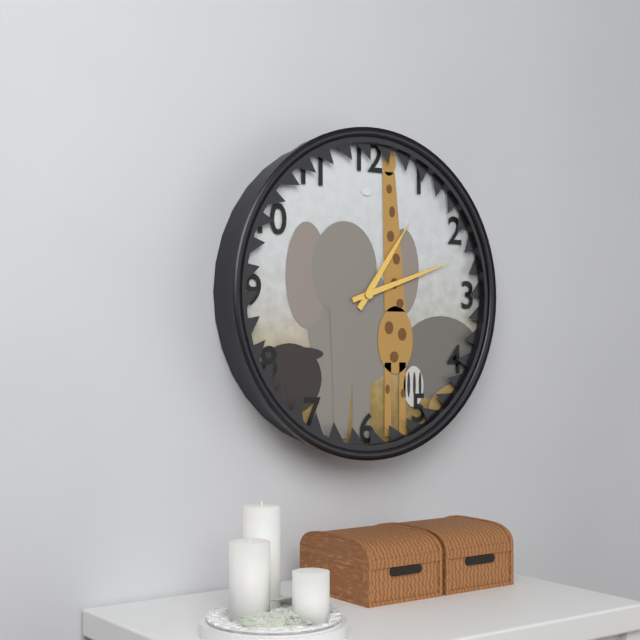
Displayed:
1:12
